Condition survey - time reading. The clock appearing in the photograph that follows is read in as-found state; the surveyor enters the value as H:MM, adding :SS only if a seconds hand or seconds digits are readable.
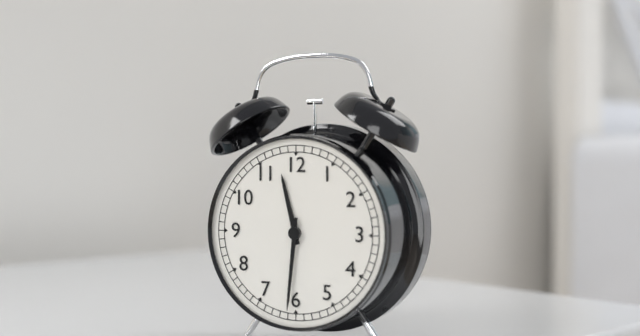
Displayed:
11:31
